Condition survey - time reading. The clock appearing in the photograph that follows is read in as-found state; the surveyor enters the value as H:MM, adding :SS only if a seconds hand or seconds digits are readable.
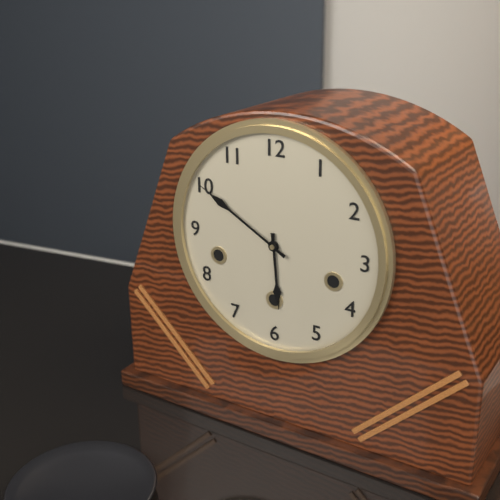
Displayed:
5:50
